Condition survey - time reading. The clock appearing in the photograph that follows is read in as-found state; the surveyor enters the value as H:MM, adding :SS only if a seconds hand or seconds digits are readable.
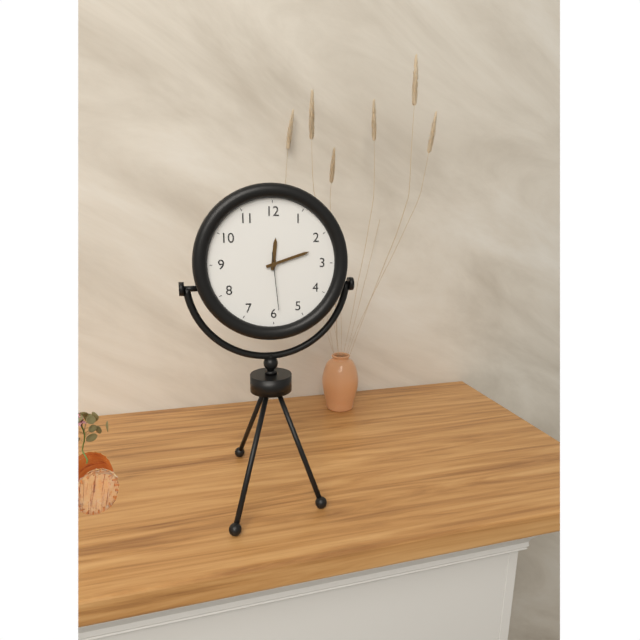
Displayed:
12:12:29
